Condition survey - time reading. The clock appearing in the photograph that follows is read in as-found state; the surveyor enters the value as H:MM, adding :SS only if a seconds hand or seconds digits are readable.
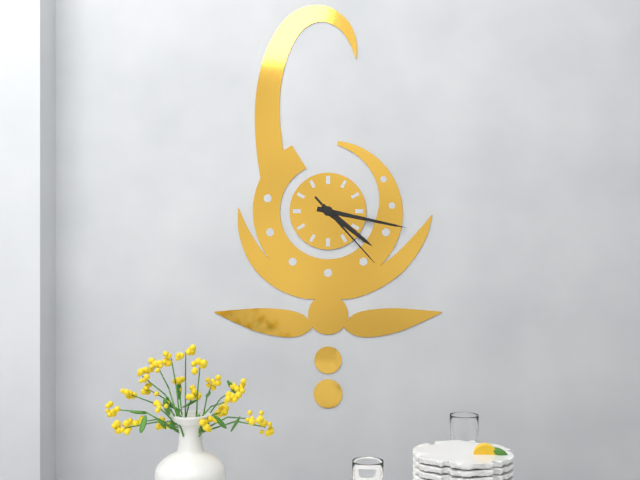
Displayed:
4:17:23
